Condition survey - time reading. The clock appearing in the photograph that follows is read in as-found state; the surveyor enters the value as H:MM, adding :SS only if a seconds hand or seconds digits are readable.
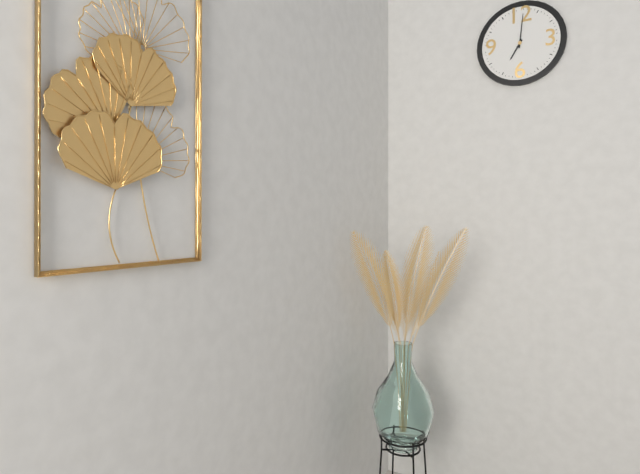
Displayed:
7:01
